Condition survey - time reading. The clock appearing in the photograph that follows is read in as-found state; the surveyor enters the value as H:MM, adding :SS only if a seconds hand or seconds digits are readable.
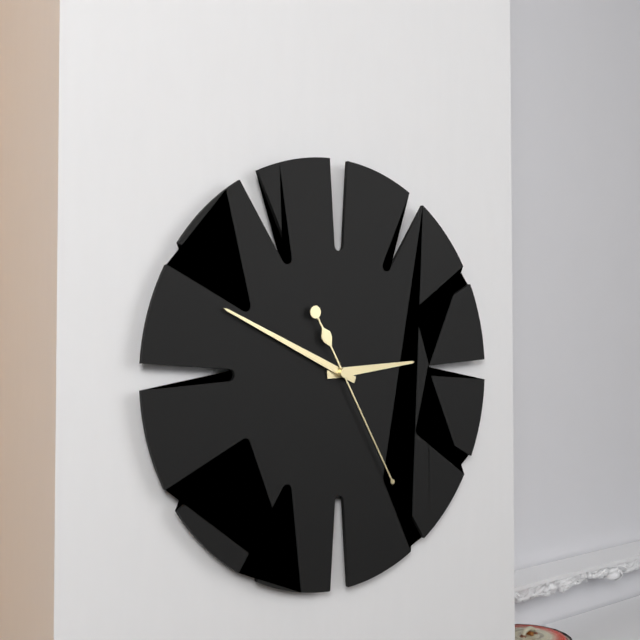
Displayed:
2:49:25
